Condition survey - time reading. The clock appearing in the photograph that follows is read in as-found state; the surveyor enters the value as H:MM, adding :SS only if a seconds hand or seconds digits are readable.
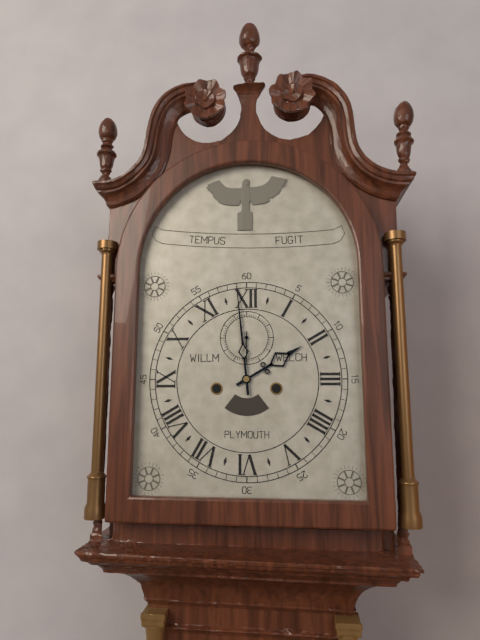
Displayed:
1:59
